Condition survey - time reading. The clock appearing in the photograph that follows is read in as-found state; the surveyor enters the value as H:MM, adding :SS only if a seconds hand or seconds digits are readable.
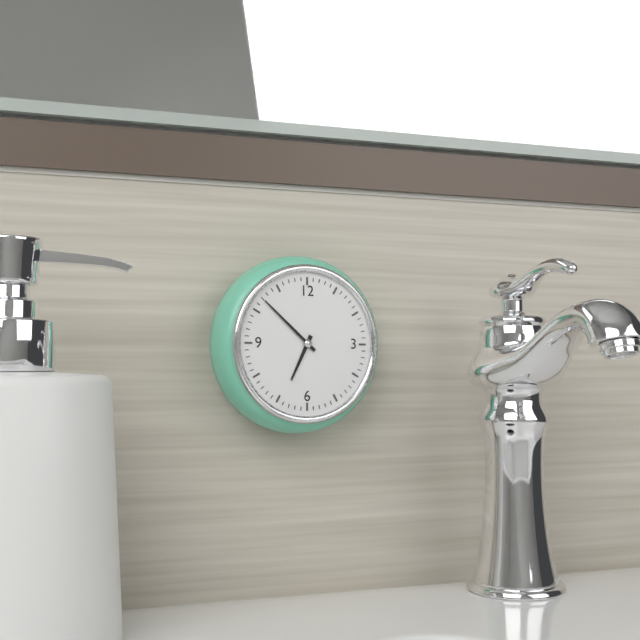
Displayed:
6:52
